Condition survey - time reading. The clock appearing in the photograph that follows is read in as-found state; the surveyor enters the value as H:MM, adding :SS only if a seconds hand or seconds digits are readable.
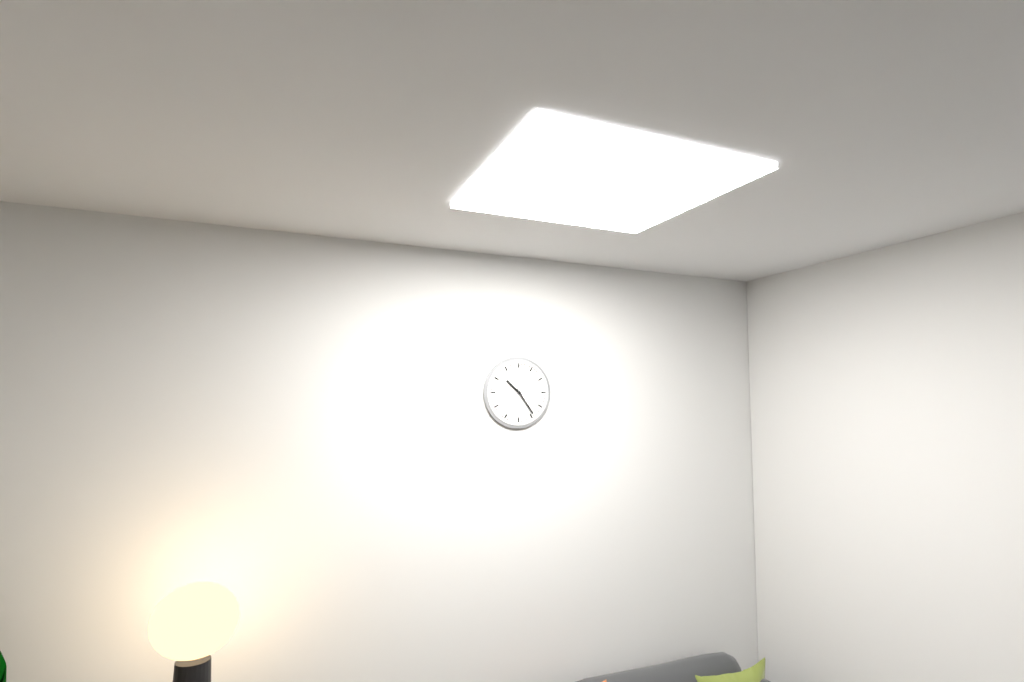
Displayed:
10:24
